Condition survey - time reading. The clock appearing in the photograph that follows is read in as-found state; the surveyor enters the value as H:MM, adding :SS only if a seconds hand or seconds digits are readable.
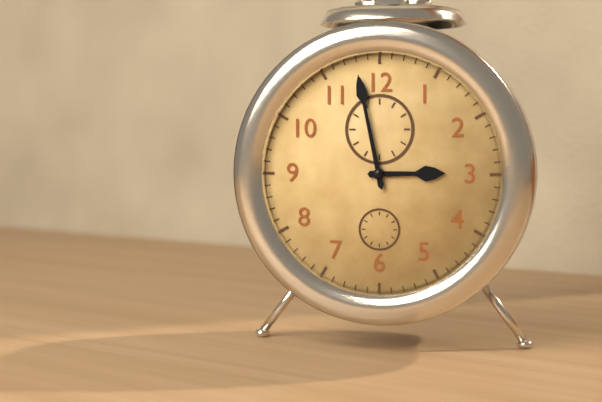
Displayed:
2:58
